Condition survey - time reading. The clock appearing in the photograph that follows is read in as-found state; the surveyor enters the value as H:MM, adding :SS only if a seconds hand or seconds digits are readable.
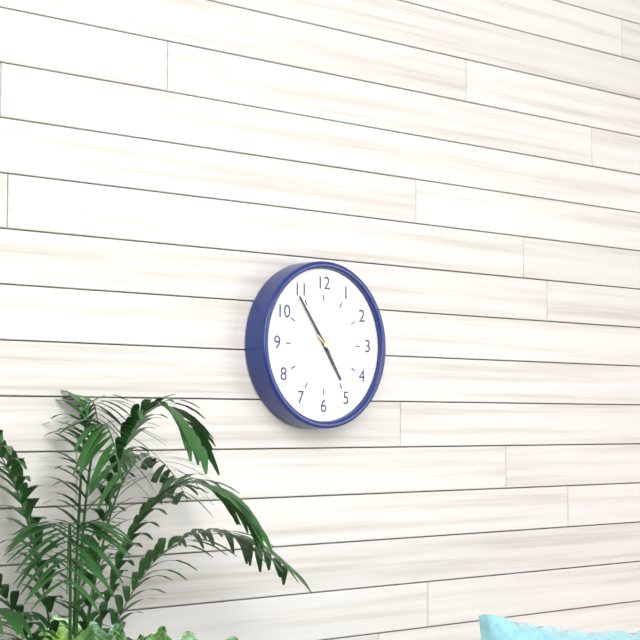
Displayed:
4:54:22
